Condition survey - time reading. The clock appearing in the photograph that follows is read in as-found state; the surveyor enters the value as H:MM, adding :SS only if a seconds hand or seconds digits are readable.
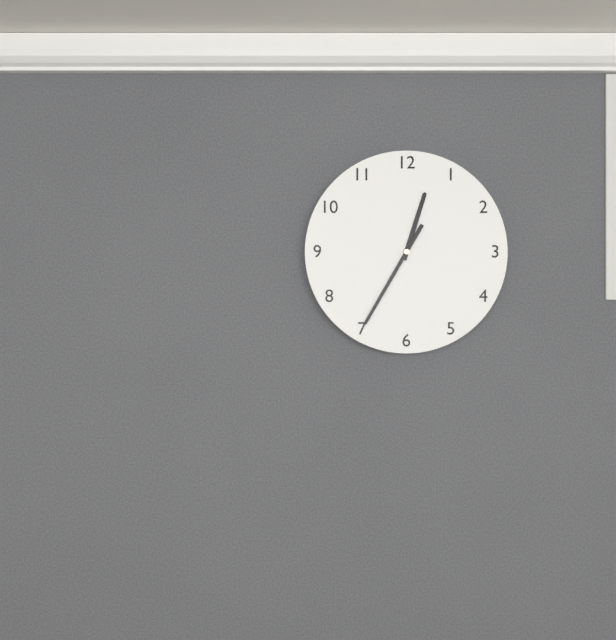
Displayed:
12:35
